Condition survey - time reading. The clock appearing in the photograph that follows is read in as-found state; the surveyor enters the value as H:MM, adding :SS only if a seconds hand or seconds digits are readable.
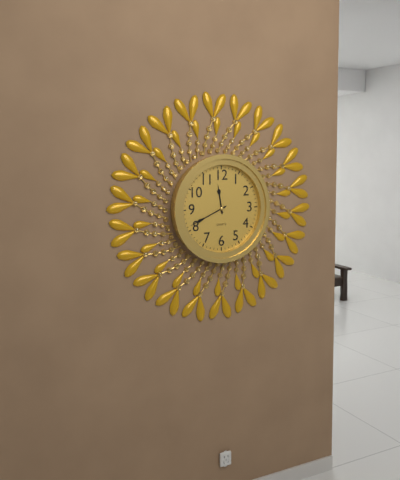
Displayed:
11:41
